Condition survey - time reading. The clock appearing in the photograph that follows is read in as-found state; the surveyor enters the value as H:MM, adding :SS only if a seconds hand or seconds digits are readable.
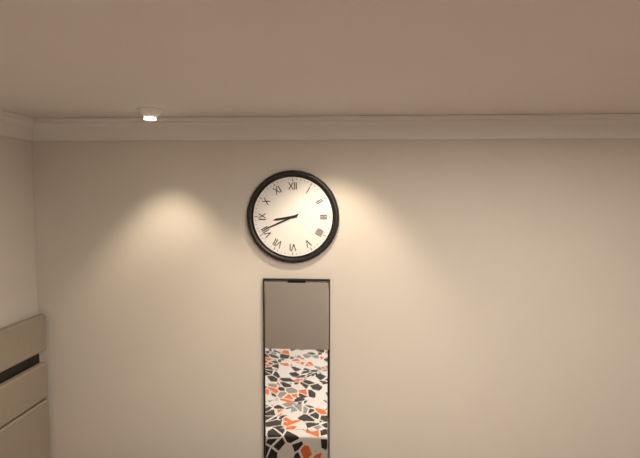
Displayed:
8:41
